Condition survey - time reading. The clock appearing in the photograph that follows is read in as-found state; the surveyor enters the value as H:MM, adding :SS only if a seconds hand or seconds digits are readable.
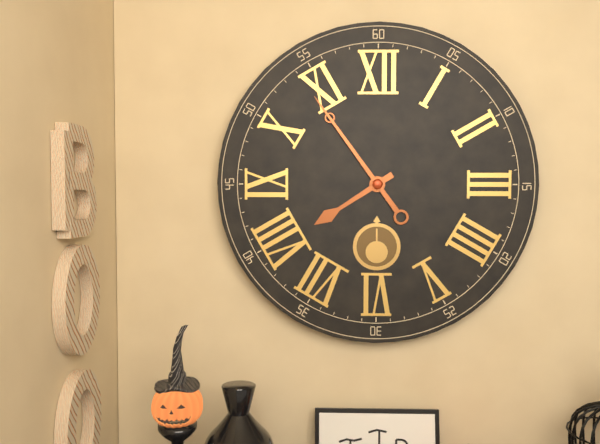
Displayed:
7:54
